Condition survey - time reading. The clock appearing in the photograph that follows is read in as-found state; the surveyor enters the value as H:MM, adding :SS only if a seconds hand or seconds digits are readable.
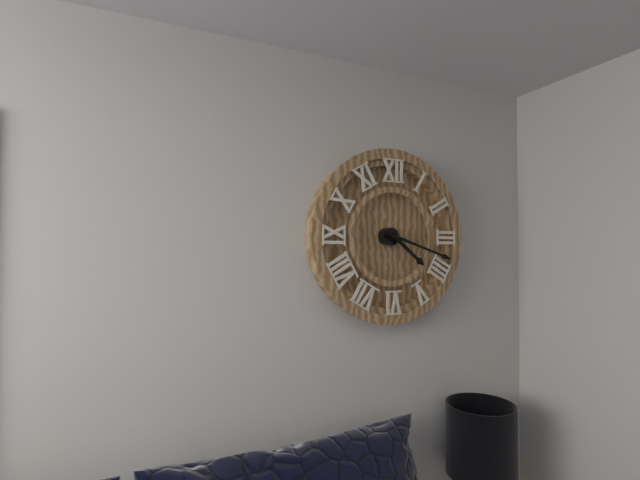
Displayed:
4:18
